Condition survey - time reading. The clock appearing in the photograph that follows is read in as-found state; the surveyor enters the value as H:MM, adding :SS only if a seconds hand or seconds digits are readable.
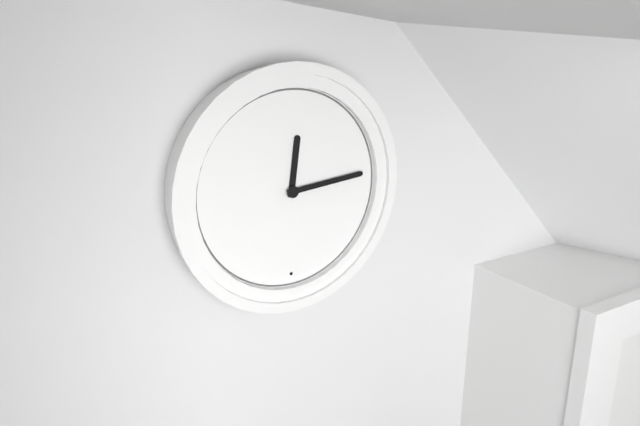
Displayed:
12:14
